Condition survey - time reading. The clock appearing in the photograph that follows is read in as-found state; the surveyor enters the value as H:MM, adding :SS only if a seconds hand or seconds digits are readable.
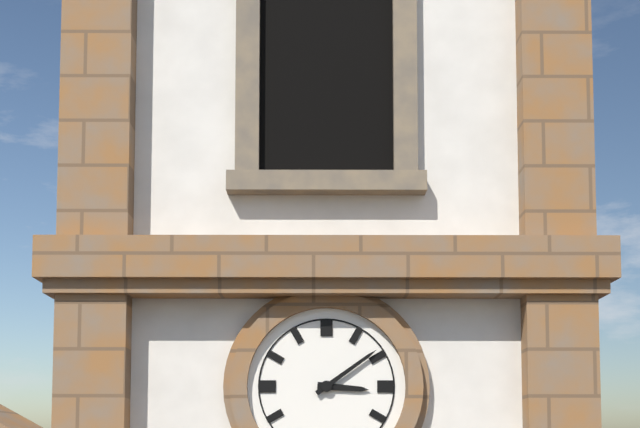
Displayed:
3:09
